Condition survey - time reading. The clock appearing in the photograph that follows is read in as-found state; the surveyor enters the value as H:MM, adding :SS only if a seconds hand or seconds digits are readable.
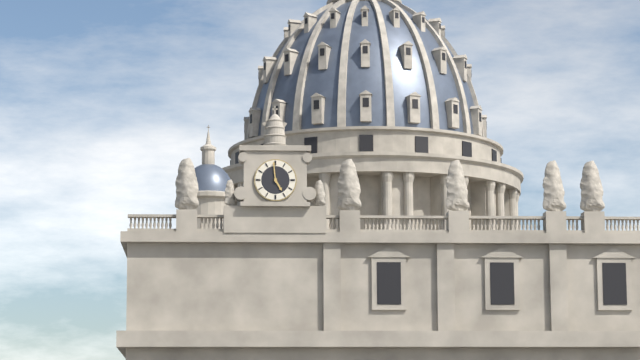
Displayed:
4:59
